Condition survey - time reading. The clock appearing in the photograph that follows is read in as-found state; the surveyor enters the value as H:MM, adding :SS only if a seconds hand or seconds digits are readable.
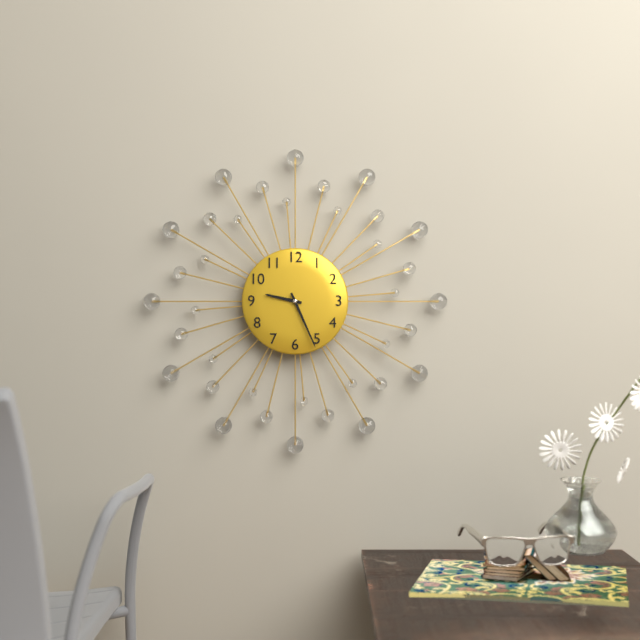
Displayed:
9:26
